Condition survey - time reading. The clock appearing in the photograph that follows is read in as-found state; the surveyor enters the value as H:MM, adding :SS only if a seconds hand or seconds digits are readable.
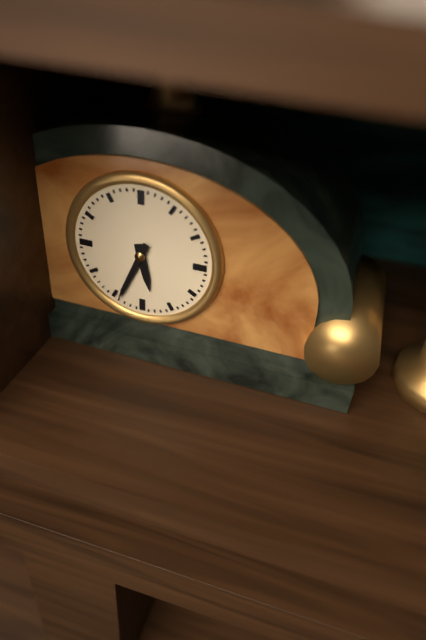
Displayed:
5:34
